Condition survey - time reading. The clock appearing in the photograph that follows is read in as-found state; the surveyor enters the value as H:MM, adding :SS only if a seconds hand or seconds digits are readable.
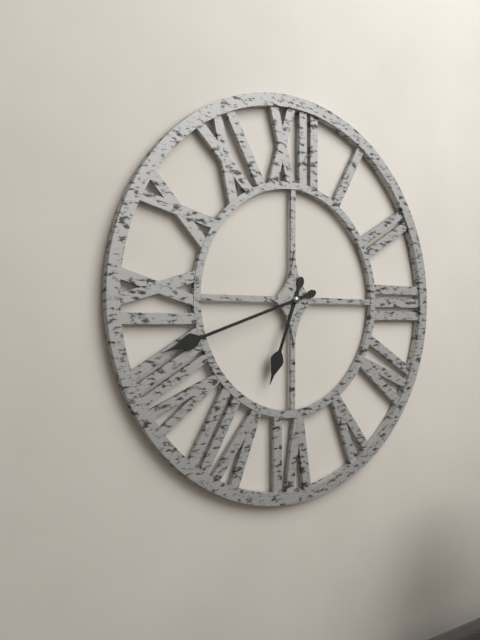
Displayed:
6:42
